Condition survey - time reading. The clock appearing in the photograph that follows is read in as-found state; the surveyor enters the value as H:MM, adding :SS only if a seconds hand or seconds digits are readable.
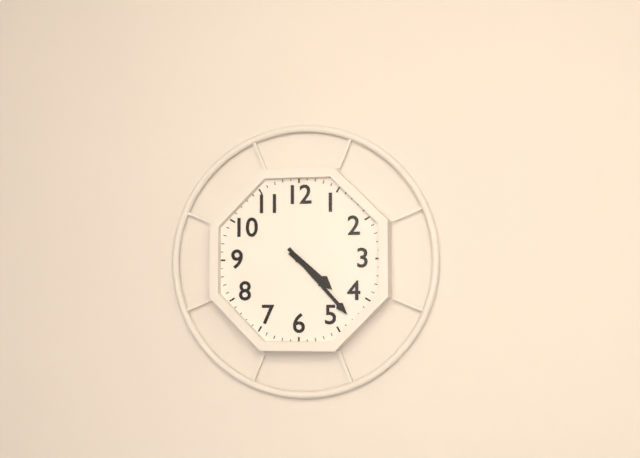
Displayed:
4:23
